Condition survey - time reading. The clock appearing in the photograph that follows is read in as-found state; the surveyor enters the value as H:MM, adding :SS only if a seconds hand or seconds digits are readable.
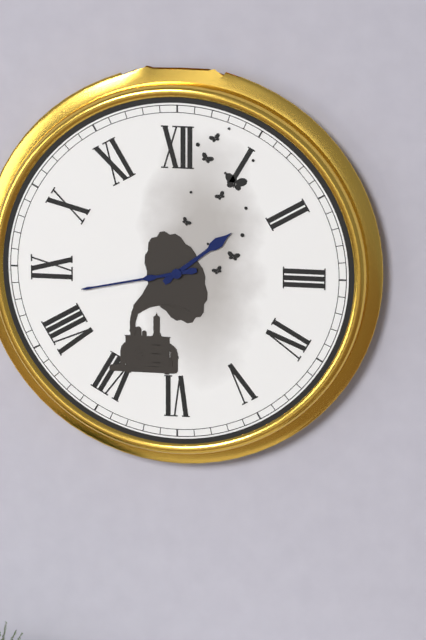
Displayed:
1:43
